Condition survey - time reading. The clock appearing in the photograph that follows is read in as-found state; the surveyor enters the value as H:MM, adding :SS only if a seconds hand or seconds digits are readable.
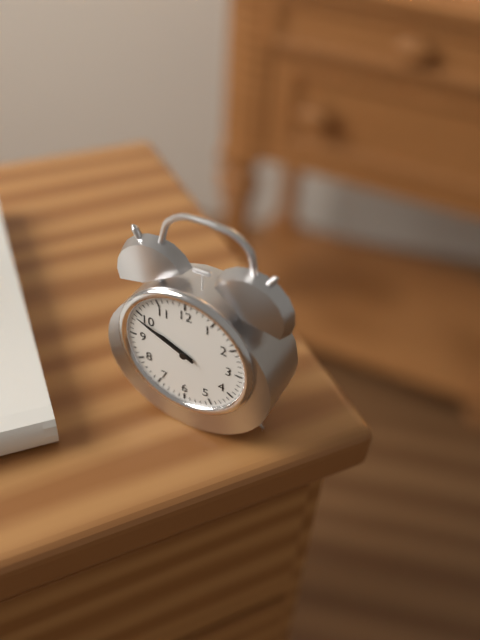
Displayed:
9:49
